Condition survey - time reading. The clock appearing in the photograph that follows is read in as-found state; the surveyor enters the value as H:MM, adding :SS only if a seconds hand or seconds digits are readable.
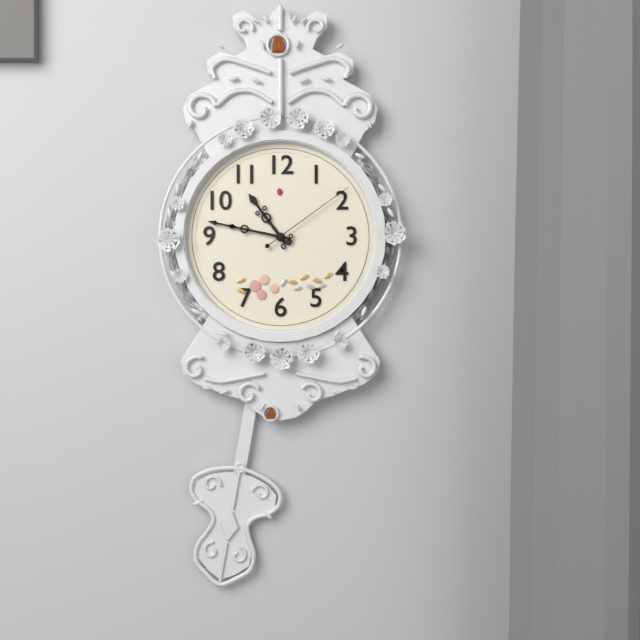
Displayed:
10:47:09
